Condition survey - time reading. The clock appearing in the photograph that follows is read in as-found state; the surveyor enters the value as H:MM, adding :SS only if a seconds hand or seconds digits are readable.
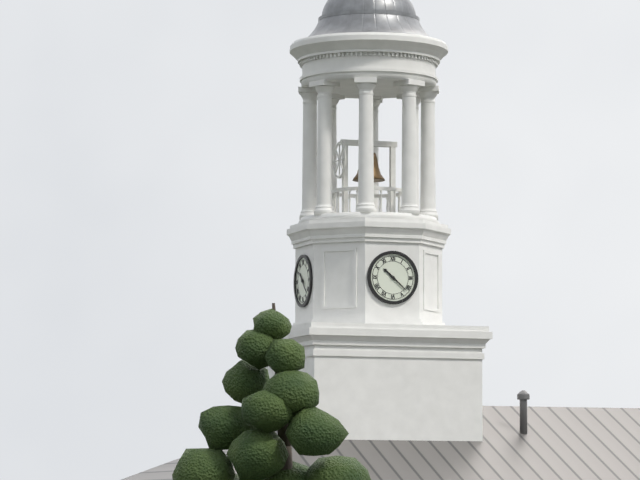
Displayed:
10:22
